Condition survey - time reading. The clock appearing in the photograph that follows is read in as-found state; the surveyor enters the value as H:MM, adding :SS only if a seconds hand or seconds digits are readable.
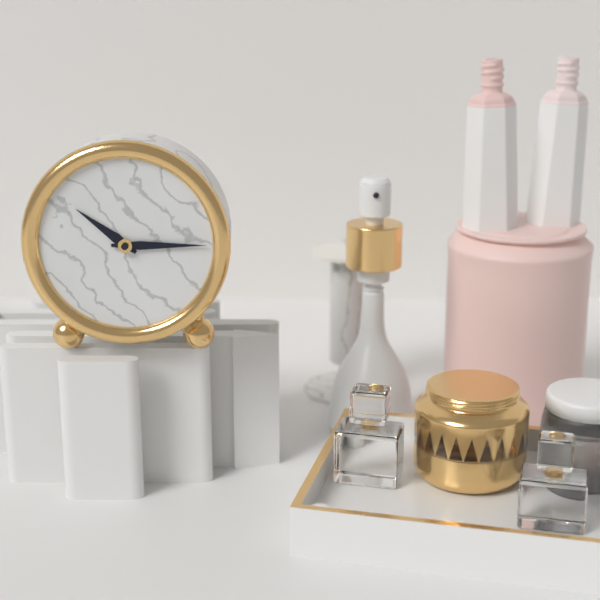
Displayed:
10:15
